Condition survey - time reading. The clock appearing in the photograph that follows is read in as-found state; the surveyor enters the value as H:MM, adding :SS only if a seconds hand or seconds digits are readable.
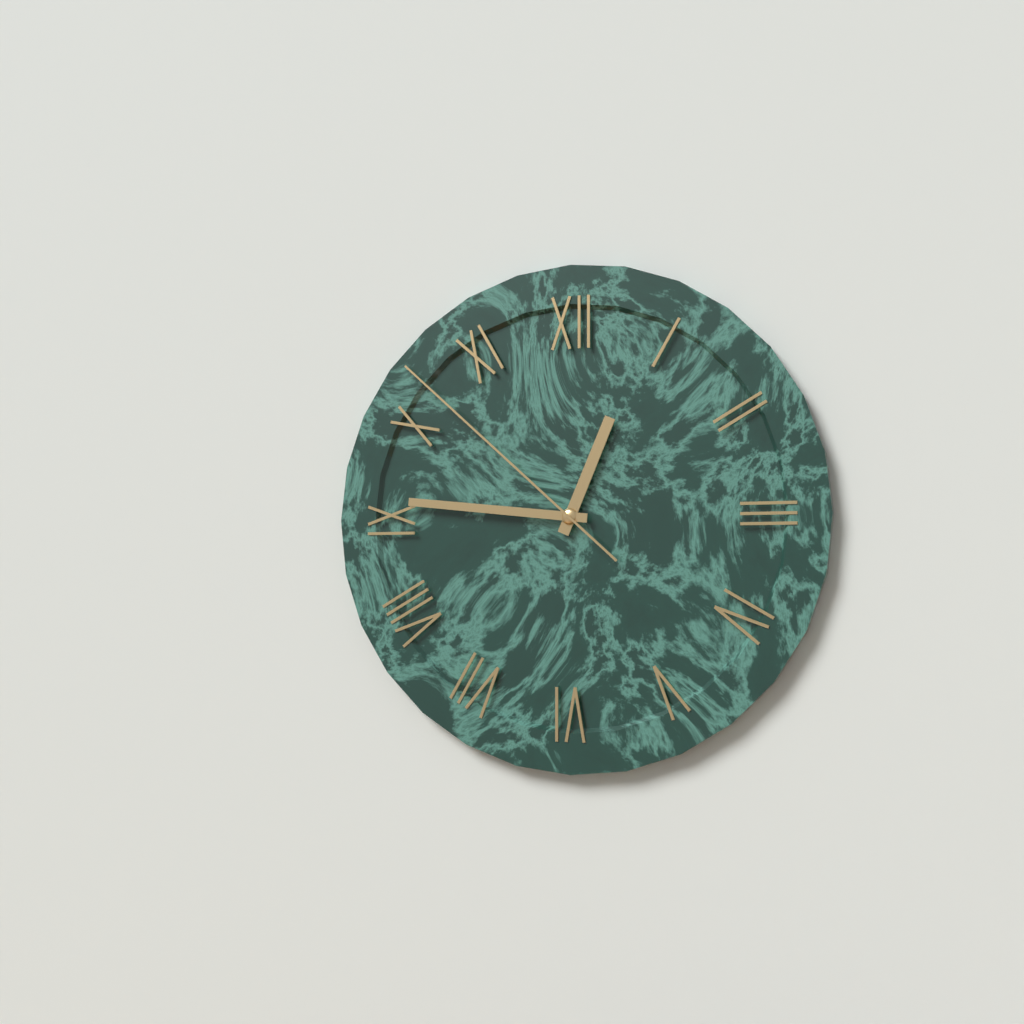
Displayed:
12:46:52
